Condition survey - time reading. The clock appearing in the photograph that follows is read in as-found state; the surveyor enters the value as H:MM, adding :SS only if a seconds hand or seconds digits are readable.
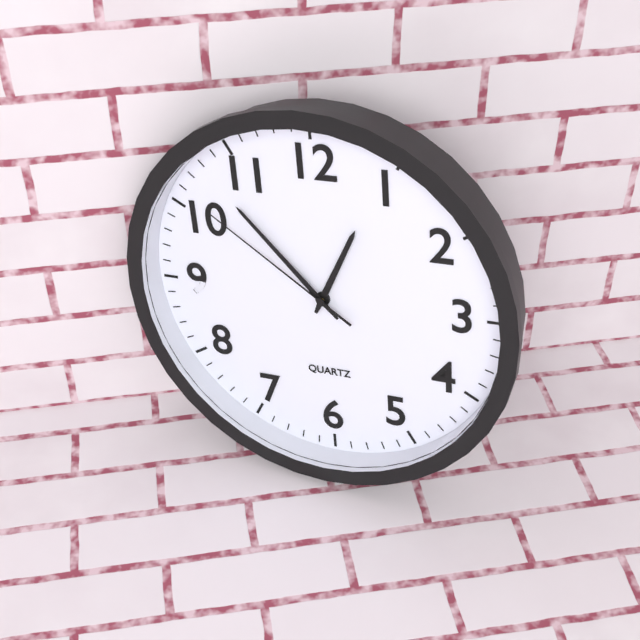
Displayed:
12:53:51
